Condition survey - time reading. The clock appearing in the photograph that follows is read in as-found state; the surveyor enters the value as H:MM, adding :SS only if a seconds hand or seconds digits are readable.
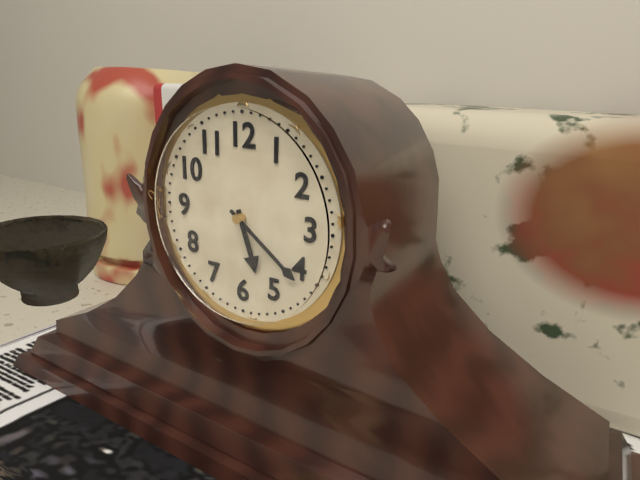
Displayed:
5:21
